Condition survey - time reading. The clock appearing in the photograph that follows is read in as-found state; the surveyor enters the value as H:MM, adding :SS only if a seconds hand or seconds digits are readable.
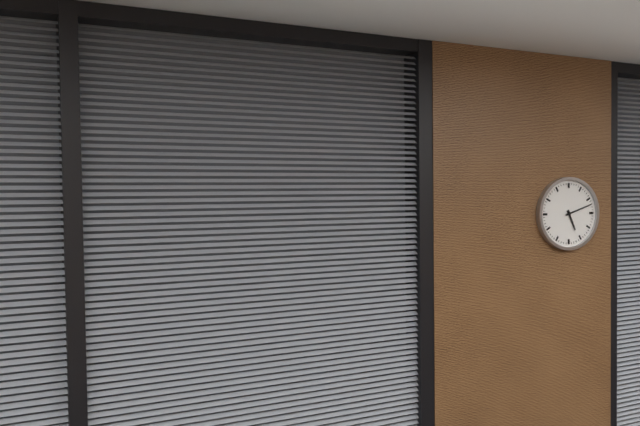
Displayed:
5:12
